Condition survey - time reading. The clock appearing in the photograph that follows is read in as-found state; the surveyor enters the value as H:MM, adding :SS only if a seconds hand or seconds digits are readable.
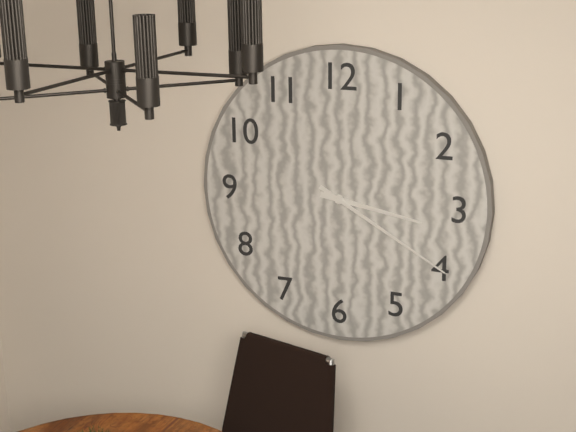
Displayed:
3:20
